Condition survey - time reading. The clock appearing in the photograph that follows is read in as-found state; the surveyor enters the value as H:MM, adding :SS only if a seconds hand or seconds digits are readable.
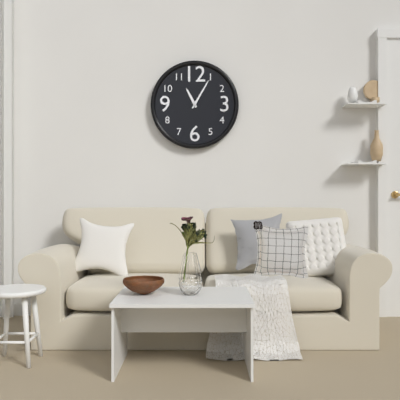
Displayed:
11:05
